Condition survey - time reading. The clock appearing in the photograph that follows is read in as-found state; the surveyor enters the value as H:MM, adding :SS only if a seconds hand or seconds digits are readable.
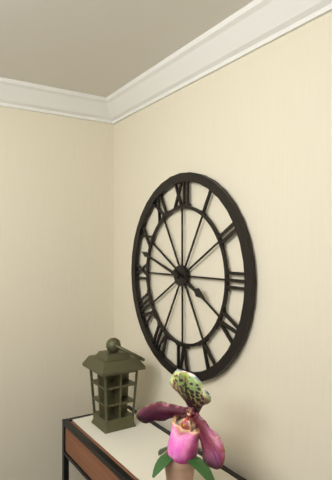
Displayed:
3:48
